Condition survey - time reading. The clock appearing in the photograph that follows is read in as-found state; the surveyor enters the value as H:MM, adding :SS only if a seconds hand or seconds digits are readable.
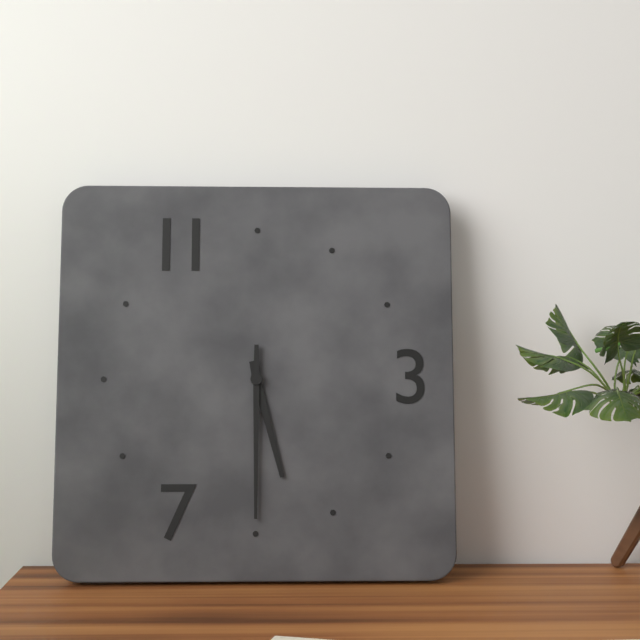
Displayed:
5:30
